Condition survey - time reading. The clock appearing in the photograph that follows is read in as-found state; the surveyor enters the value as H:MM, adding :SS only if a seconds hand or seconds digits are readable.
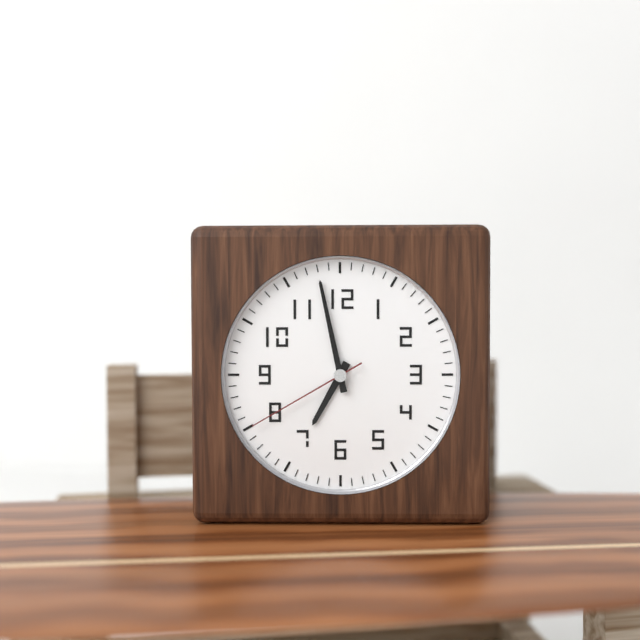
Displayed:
6:58:40
